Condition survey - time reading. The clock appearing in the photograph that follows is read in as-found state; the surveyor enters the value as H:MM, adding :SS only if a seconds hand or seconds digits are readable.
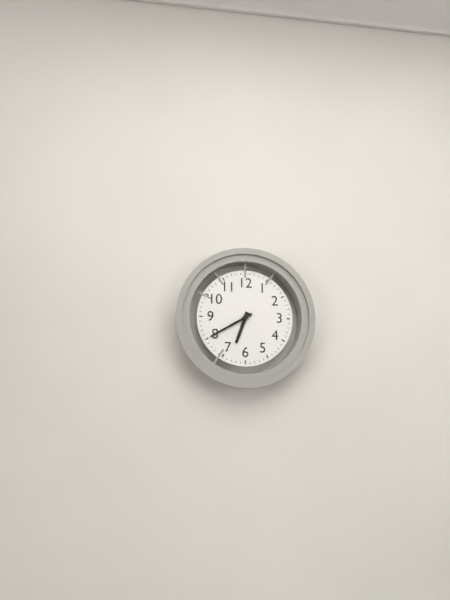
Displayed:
6:40
